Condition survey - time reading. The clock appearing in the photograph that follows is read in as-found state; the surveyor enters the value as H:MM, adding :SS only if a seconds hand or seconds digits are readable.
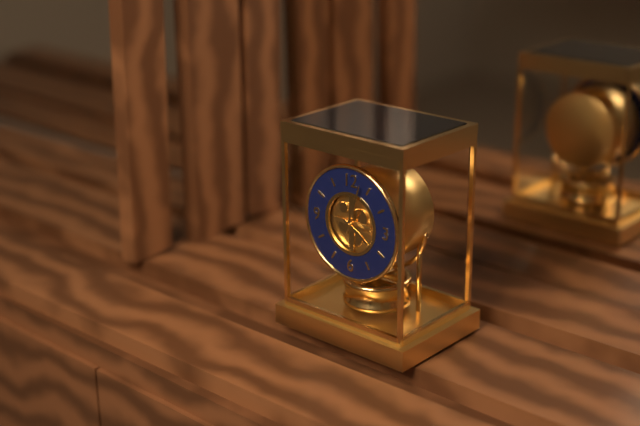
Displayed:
4:03
